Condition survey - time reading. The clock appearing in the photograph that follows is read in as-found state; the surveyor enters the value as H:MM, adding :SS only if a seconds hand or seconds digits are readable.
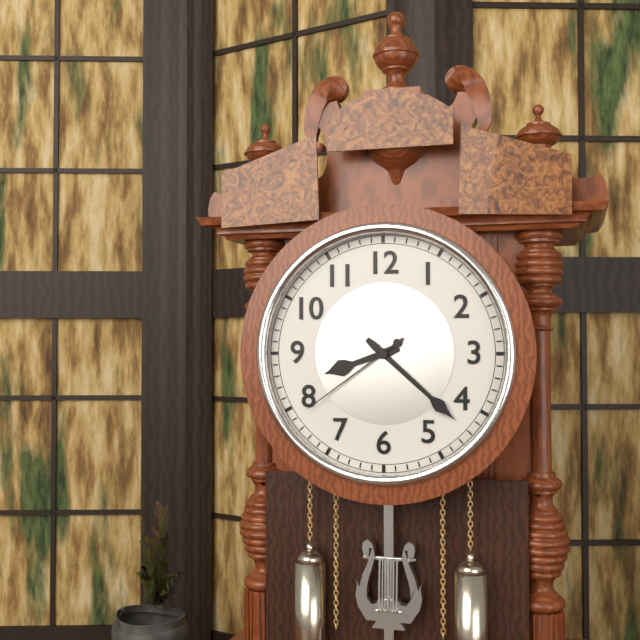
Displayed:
8:22:39
